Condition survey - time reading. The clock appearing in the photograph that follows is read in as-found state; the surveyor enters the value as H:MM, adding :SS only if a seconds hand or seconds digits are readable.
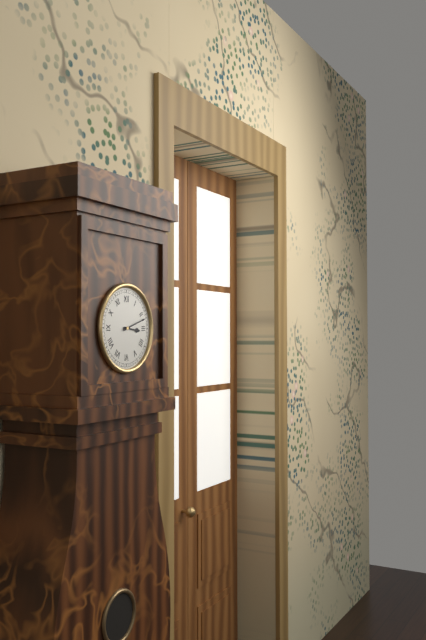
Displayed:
3:12
